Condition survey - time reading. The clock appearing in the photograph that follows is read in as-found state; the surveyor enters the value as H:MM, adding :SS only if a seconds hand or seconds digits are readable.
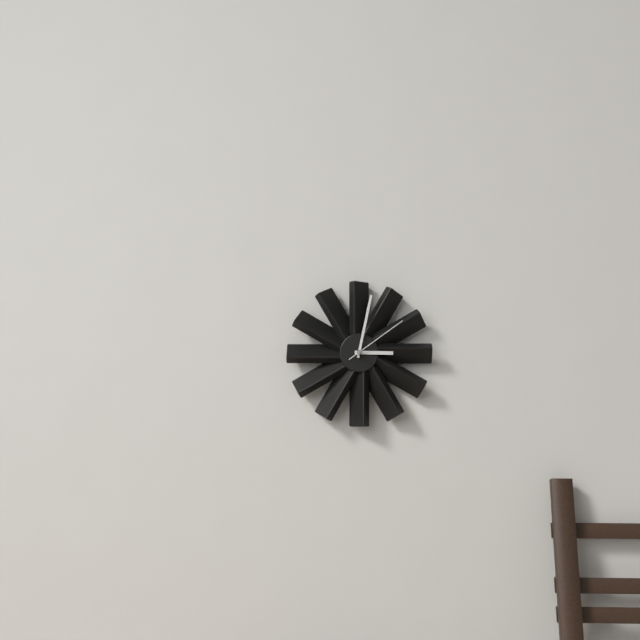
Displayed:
3:02:09
